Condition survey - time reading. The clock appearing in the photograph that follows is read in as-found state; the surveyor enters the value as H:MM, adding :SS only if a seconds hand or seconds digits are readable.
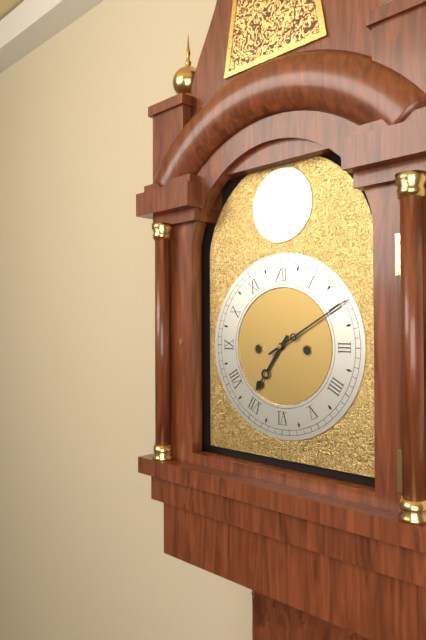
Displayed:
7:10
